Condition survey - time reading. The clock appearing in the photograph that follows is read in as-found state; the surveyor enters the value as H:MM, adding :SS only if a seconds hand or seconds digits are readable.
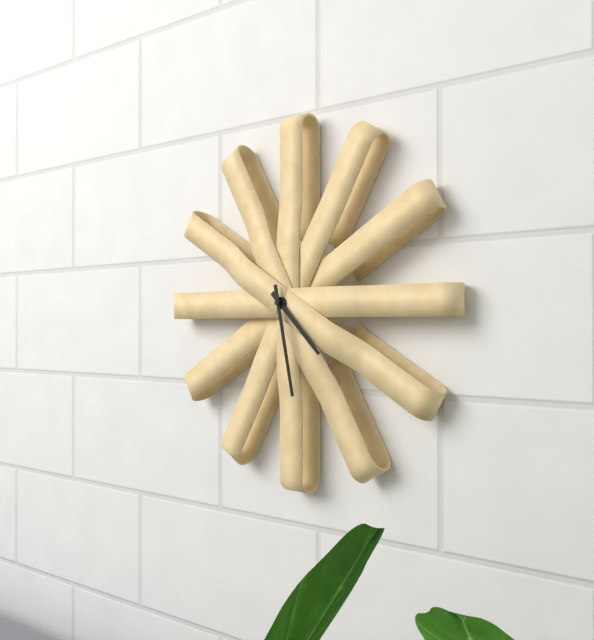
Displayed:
4:28
